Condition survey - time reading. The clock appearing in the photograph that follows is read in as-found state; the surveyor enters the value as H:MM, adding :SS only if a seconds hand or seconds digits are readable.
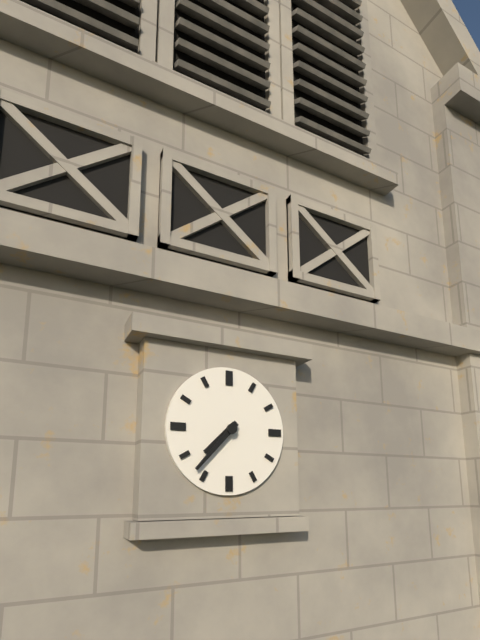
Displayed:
7:37
